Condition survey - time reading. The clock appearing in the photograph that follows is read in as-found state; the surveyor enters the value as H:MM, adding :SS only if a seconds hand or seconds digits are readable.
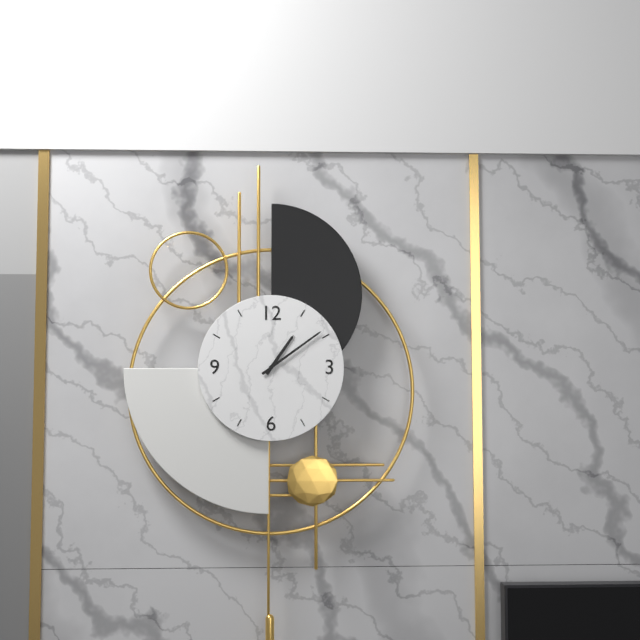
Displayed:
1:09
